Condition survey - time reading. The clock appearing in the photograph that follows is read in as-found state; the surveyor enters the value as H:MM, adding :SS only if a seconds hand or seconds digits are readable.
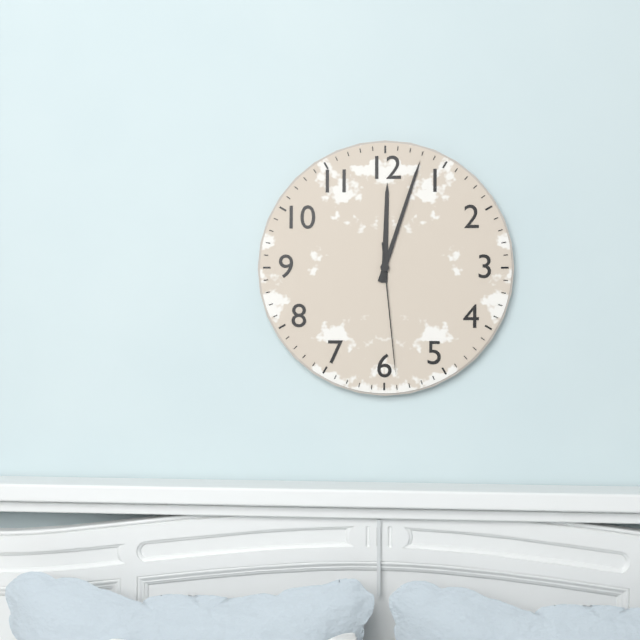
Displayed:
12:03:29
